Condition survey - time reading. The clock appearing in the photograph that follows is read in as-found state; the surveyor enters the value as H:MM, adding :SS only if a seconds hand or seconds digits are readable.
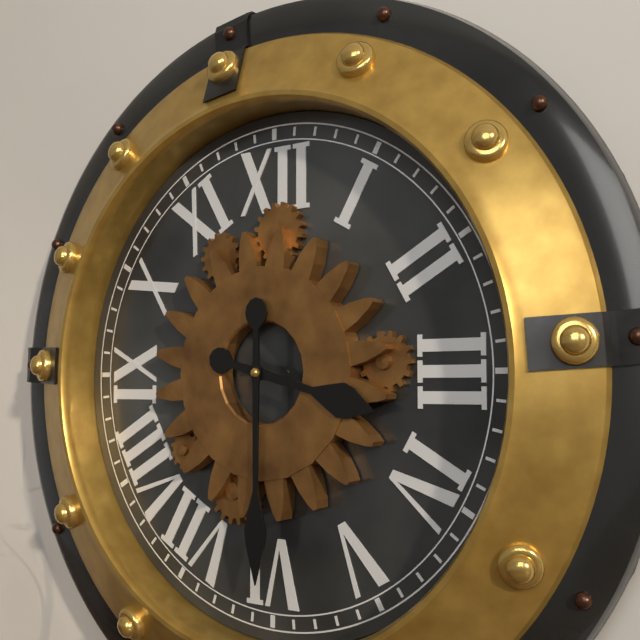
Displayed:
3:30
